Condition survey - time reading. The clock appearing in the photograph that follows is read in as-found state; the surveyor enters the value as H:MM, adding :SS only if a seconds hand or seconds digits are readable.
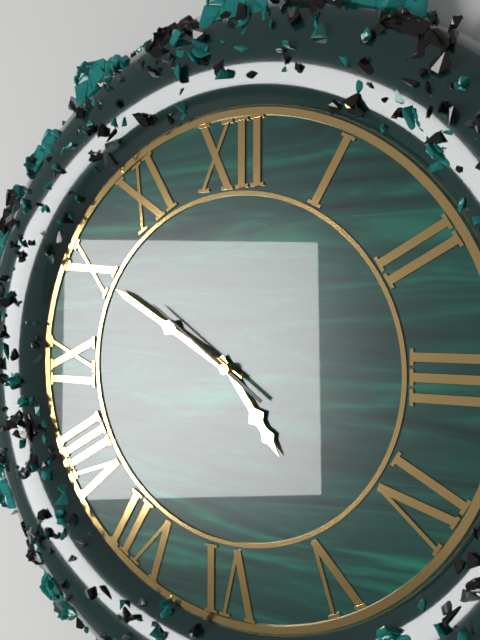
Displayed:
4:50:51
